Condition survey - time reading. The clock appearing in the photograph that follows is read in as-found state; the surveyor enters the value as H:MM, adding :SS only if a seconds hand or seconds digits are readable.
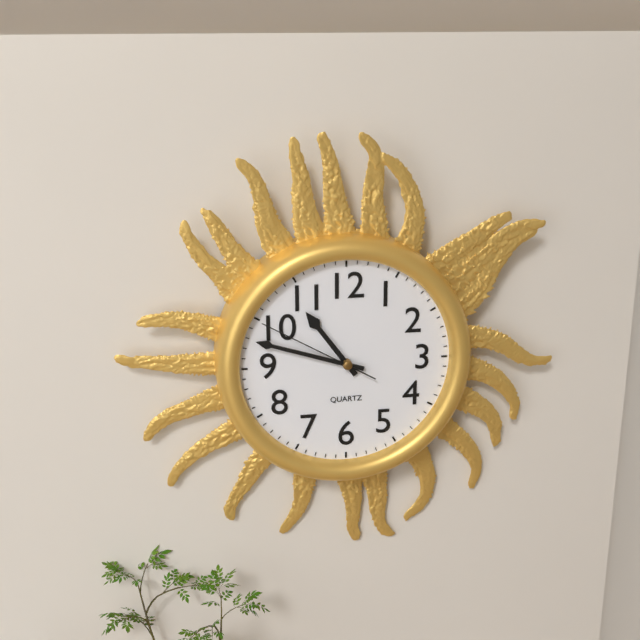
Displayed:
10:48:50
